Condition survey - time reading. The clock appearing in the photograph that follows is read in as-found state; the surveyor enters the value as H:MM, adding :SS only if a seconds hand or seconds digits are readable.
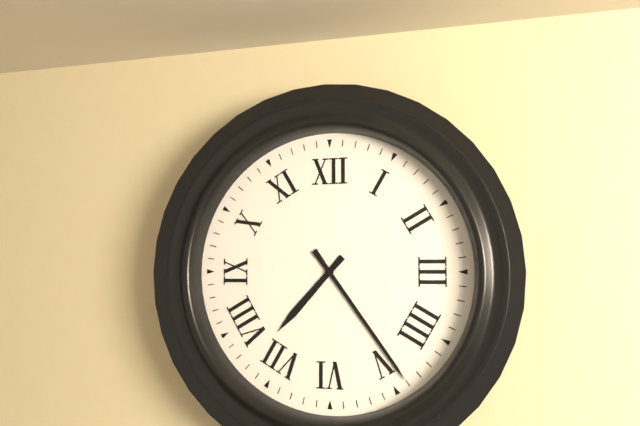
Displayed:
7:24
